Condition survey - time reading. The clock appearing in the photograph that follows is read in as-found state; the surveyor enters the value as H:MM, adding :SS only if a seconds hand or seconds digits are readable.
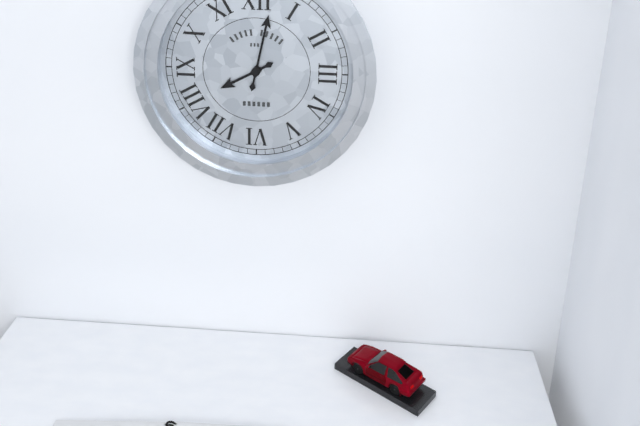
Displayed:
8:02
